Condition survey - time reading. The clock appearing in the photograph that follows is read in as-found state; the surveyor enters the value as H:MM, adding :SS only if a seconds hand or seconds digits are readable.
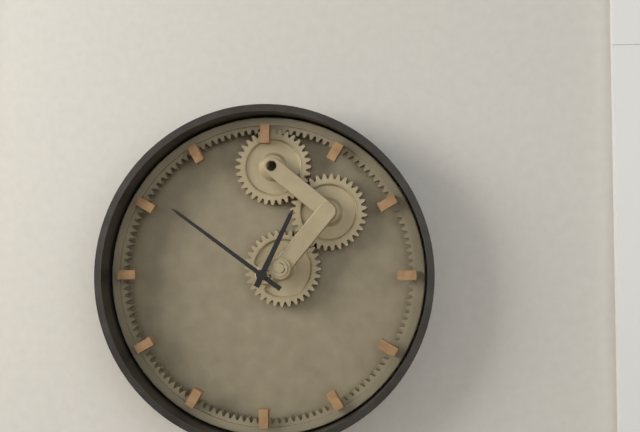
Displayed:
12:51
